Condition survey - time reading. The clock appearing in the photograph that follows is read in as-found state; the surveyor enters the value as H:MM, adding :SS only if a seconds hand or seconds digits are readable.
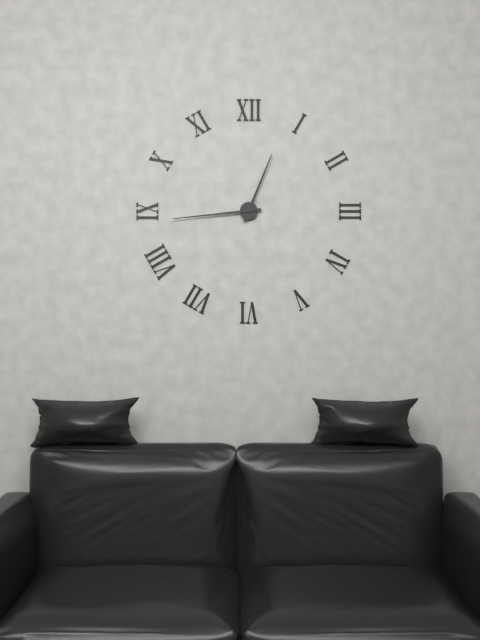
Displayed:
12:44
